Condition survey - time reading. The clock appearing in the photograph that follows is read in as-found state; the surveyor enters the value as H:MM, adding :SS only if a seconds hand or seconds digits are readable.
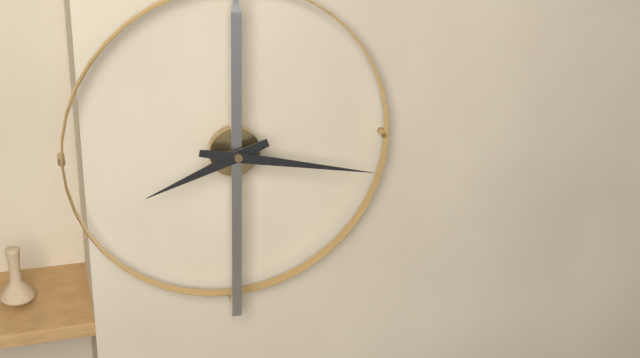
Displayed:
8:17
